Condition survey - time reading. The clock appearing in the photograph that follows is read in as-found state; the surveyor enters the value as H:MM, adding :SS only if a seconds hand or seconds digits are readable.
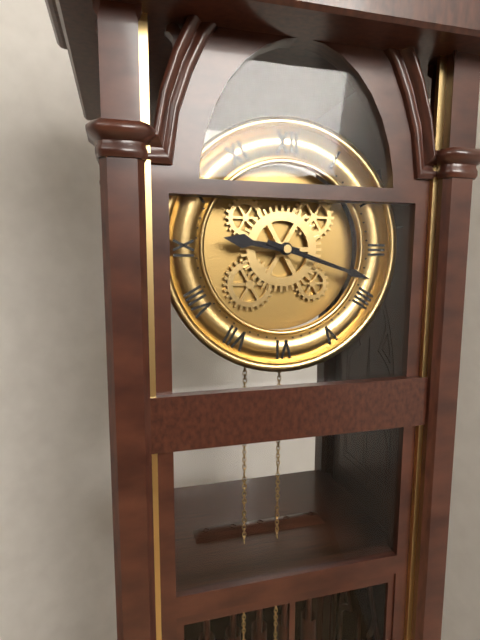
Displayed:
9:18
